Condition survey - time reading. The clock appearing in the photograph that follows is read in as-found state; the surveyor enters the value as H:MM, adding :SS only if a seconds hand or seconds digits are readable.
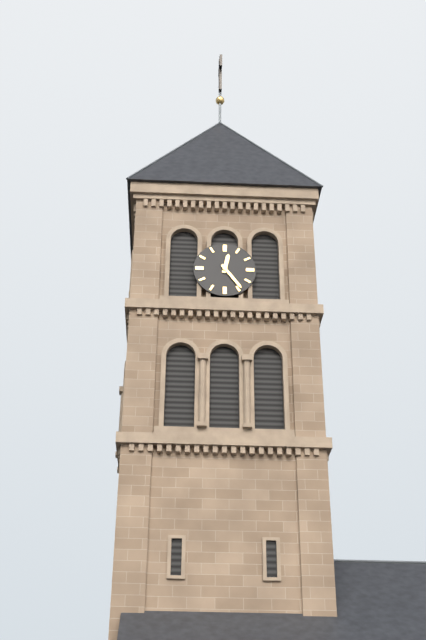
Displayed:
12:24
